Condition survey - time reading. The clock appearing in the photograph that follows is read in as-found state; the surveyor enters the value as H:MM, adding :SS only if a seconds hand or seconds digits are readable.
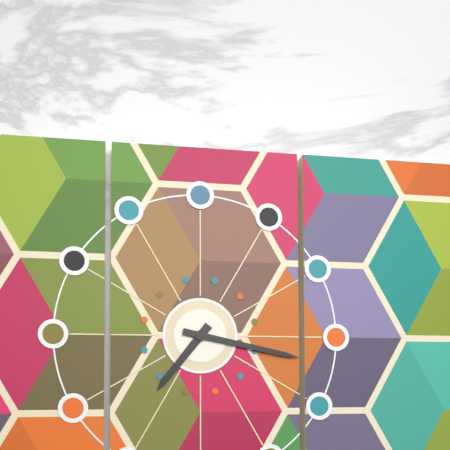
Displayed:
7:17
